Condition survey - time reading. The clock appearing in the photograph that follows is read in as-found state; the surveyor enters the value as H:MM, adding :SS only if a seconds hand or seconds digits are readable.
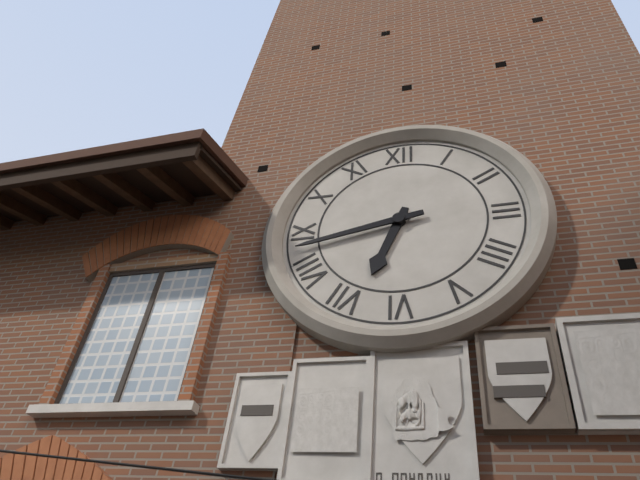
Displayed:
6:43
